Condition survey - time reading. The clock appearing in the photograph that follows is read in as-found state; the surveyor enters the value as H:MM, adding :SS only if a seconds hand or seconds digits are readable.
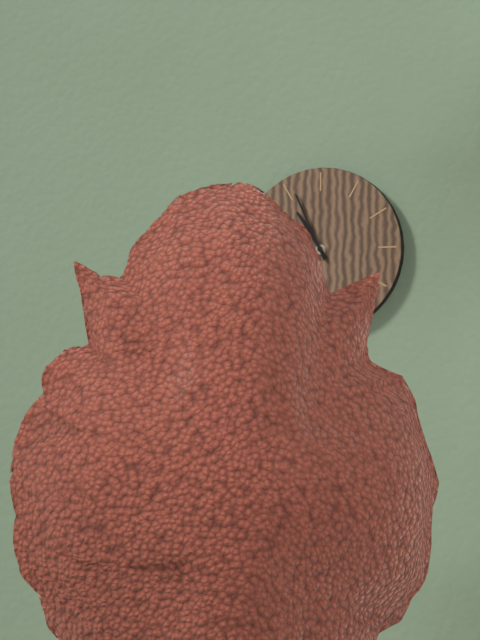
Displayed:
10:56
